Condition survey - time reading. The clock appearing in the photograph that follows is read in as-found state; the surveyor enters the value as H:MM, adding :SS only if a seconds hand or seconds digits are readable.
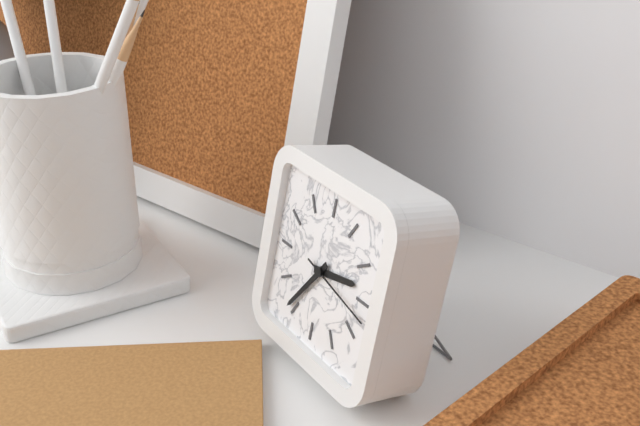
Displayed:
2:36:17
